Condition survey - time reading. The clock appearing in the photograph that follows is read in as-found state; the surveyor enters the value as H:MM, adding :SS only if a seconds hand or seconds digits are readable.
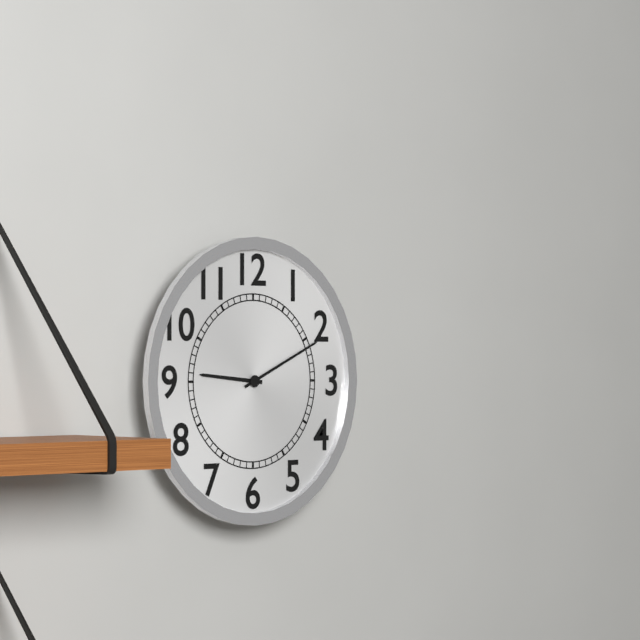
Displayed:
9:11
